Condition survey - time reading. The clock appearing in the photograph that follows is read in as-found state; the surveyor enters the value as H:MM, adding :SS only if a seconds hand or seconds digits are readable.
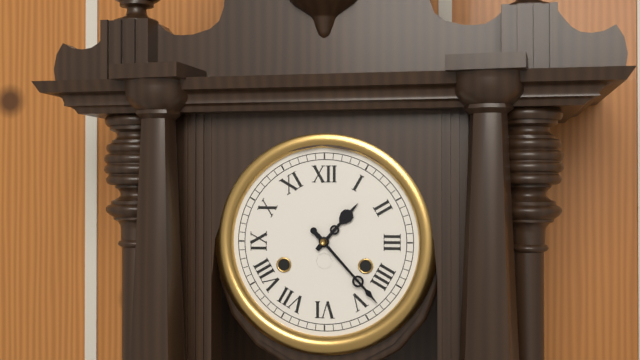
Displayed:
1:23
